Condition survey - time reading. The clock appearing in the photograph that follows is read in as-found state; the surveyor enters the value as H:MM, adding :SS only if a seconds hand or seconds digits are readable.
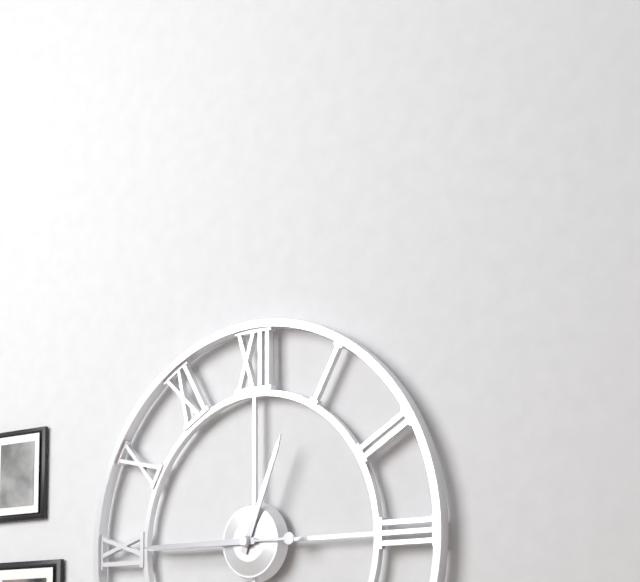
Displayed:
12:45
